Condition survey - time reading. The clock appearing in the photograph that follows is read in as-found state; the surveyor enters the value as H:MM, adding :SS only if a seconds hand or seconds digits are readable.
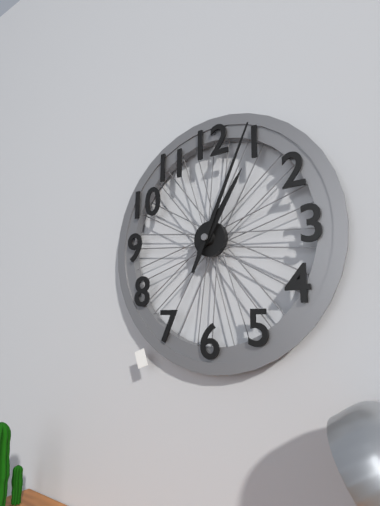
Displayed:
1:04
